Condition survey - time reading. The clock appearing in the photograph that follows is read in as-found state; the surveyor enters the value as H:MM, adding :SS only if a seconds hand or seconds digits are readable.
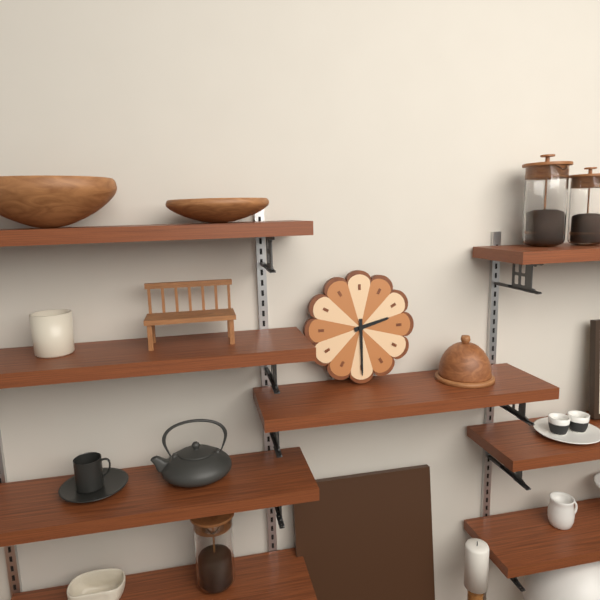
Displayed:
2:30
